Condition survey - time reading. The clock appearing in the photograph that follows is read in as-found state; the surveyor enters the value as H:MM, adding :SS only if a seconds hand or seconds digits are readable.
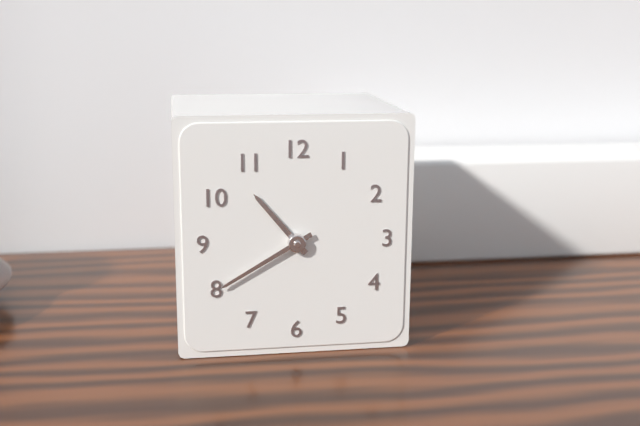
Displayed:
10:40
